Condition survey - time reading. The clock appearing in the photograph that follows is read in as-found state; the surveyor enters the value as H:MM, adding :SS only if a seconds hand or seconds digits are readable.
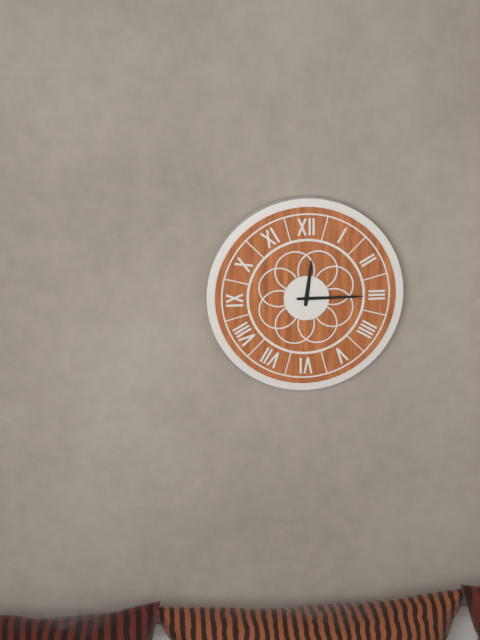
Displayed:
12:15
